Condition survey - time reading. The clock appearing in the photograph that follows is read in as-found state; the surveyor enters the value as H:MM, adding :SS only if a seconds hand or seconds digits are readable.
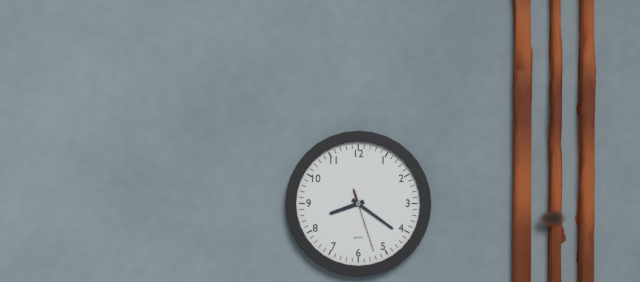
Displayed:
8:21:27
